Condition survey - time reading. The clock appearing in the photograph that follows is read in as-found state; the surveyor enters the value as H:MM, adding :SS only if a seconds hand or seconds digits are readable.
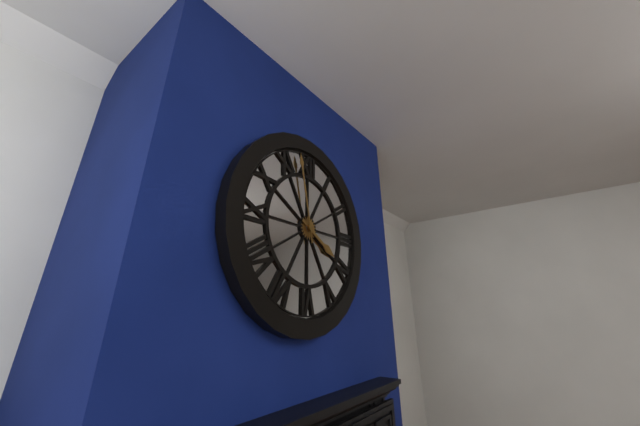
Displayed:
3:58
